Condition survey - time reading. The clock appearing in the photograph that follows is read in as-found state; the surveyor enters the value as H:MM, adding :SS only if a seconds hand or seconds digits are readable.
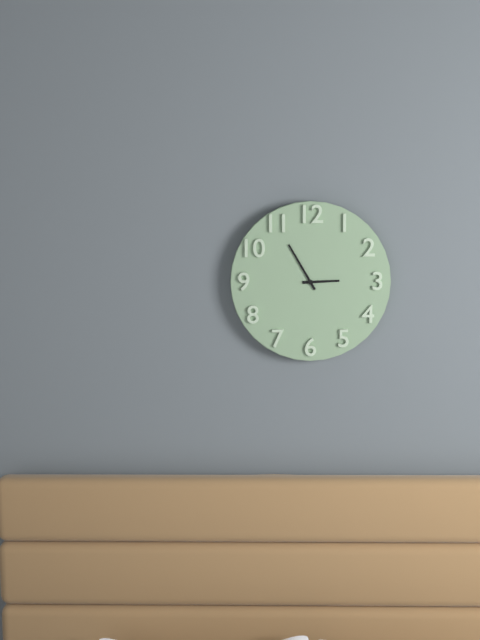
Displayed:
2:55
